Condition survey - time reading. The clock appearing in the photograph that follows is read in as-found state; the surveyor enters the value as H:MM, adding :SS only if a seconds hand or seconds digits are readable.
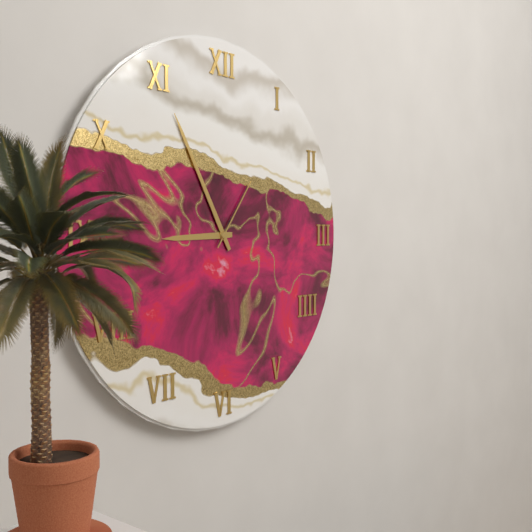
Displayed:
8:55:06
